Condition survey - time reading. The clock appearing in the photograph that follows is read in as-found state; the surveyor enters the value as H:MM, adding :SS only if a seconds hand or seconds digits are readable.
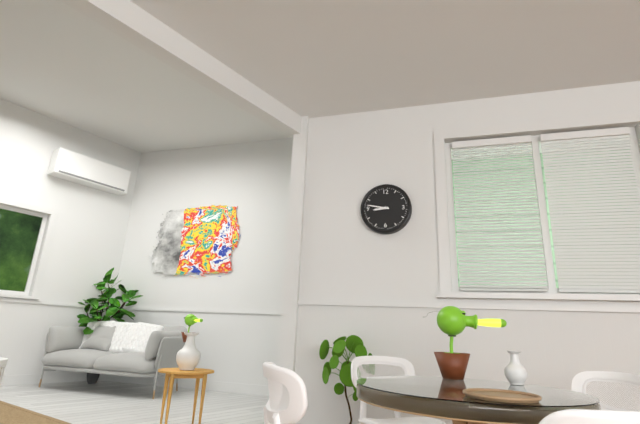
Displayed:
8:47
